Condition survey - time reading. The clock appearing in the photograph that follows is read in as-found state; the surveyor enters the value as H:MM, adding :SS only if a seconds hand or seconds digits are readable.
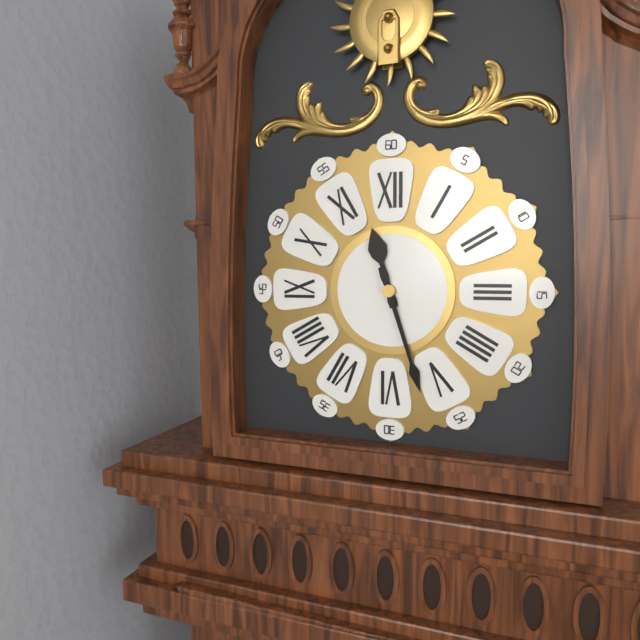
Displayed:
11:27
